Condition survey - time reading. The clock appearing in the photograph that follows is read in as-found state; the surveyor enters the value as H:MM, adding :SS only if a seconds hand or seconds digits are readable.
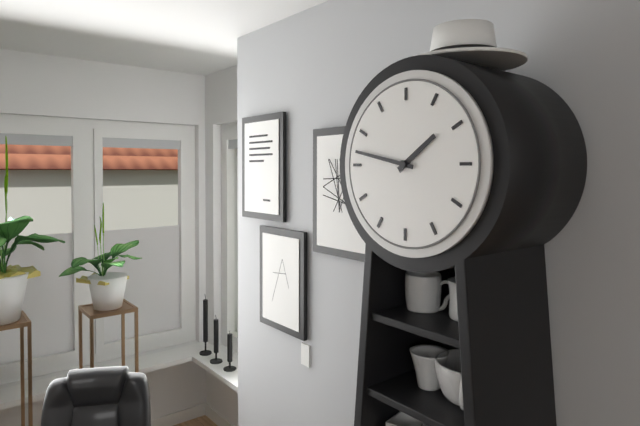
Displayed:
1:47
